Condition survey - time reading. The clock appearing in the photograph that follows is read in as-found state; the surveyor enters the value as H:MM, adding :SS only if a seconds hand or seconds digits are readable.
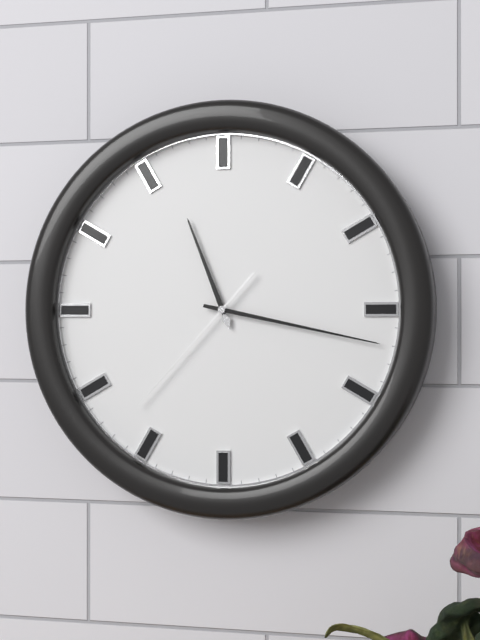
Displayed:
11:17:37
